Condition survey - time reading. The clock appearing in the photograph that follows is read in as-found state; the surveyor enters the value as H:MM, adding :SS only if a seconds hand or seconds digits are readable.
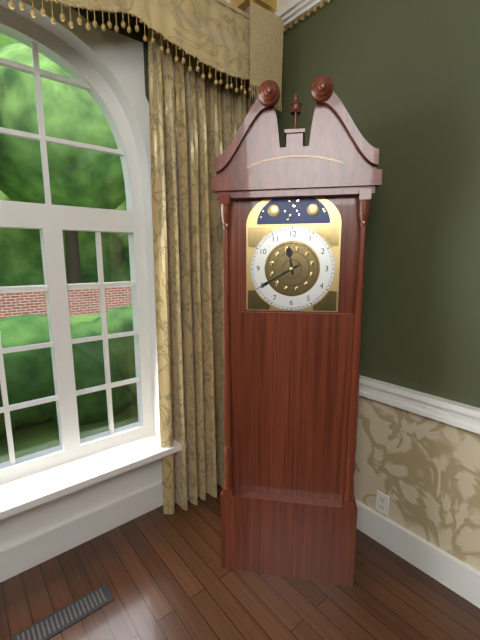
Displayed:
11:40
